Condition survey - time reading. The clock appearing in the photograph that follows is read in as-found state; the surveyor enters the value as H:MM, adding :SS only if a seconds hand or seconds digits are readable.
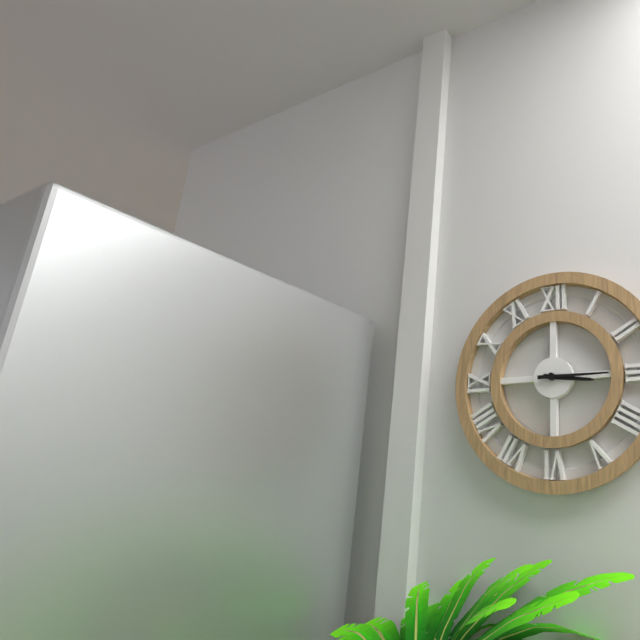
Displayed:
3:15
